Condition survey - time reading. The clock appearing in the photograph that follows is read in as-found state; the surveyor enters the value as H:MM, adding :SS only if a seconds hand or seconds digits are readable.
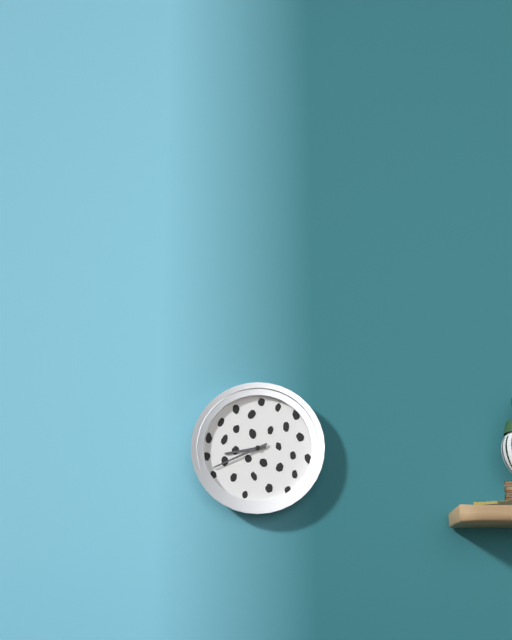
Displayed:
8:41
